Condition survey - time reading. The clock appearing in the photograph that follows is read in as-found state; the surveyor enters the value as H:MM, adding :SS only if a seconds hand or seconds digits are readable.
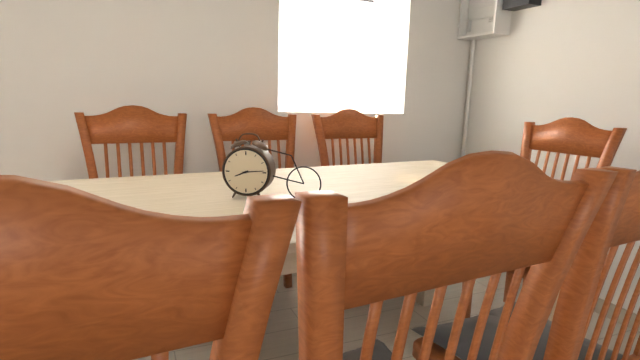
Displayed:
8:14
